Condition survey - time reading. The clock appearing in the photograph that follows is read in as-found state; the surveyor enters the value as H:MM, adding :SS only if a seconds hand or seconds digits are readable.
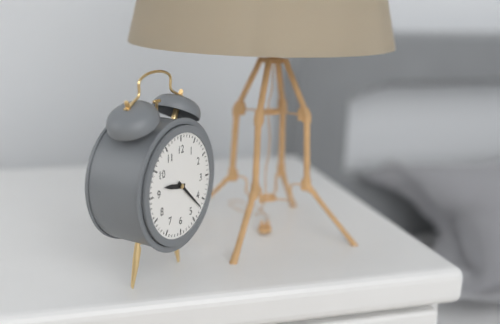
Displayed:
9:22
